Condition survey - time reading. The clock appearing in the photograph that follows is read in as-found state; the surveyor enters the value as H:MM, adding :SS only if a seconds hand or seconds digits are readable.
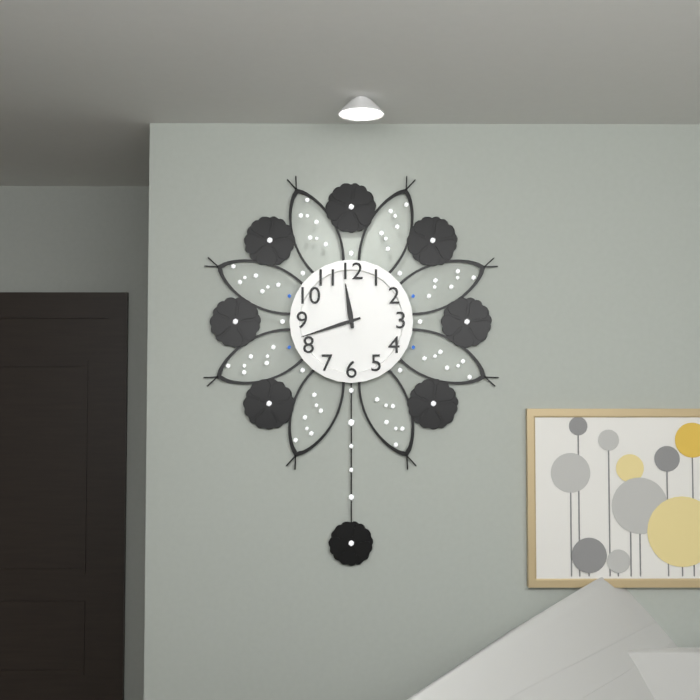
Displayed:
11:42
